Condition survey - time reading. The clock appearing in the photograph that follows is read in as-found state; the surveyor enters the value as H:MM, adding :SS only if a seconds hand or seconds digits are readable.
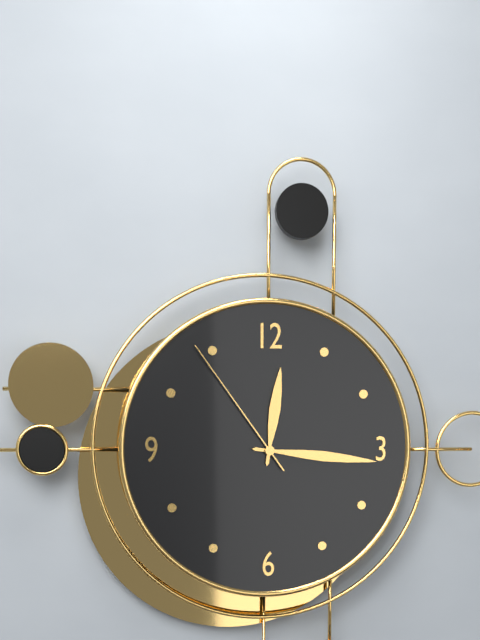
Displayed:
12:16:54
